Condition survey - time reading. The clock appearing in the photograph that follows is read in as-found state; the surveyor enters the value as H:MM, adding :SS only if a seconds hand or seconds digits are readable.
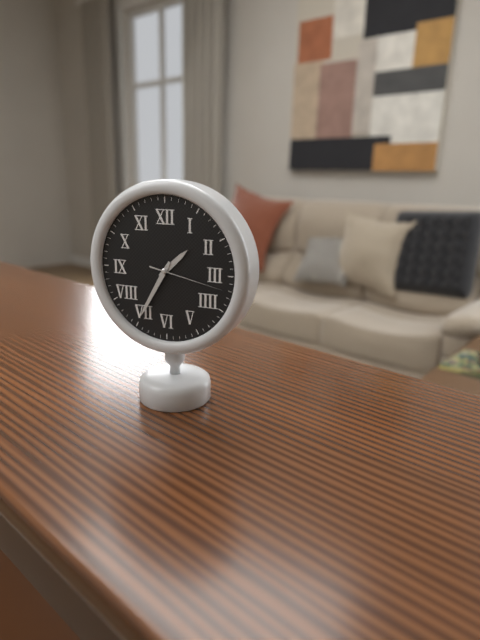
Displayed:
1:35:17
